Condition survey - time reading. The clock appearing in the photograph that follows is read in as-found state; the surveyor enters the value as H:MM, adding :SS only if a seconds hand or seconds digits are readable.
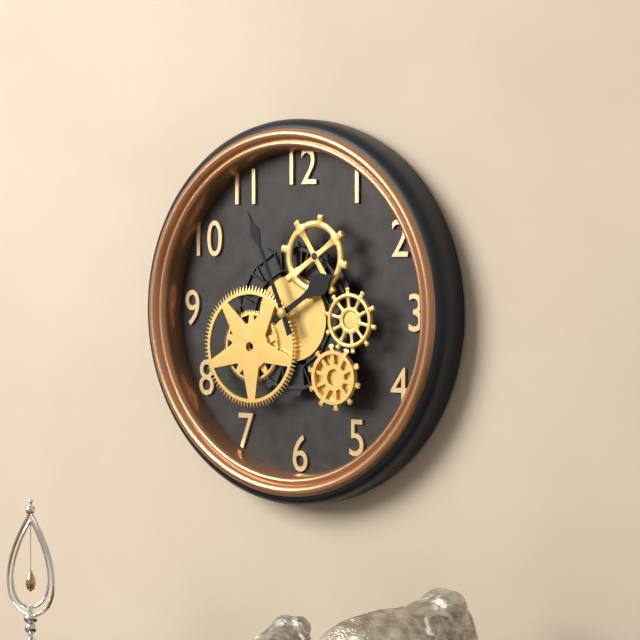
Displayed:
1:56
